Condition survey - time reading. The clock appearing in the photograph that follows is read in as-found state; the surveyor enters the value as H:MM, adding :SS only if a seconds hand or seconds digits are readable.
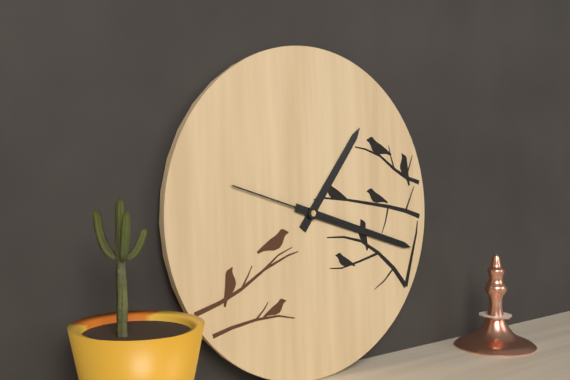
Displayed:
1:18:48
